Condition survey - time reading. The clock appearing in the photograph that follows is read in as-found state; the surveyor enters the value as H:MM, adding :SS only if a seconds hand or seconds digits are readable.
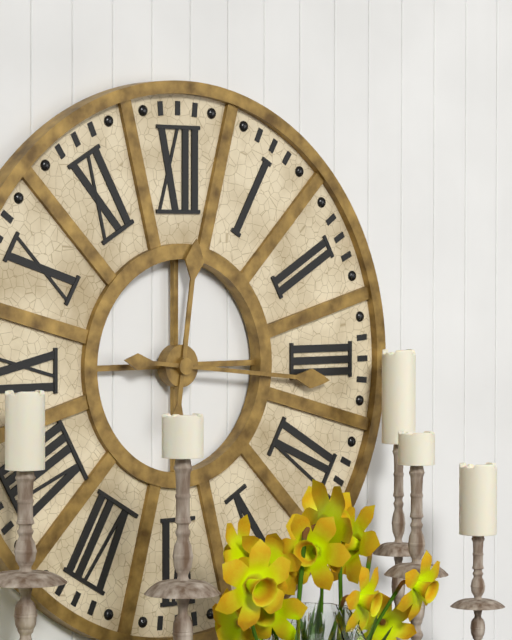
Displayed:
12:16
